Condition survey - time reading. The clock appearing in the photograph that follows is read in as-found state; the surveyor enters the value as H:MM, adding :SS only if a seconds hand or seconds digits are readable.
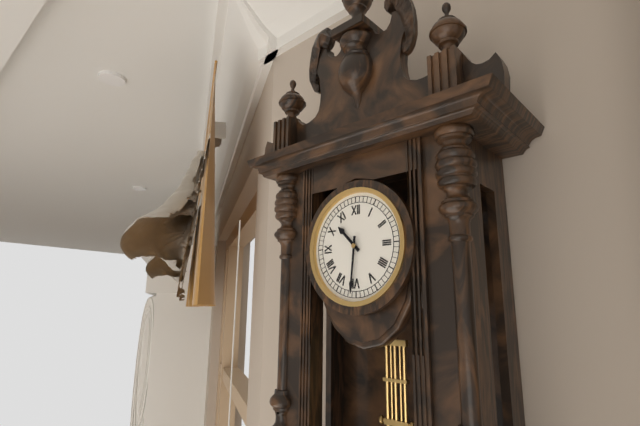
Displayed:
10:31
